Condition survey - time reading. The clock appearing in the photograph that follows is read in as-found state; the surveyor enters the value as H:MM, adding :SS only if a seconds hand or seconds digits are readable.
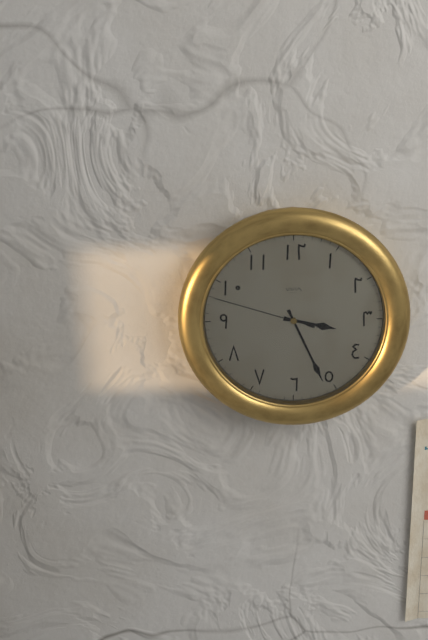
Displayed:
3:26:48
